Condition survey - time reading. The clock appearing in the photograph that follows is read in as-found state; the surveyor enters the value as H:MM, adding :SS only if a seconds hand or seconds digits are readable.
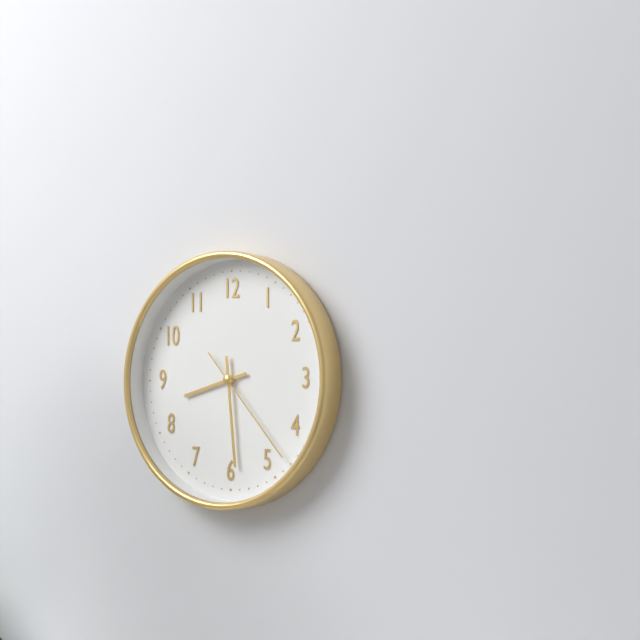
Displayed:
8:29:23
